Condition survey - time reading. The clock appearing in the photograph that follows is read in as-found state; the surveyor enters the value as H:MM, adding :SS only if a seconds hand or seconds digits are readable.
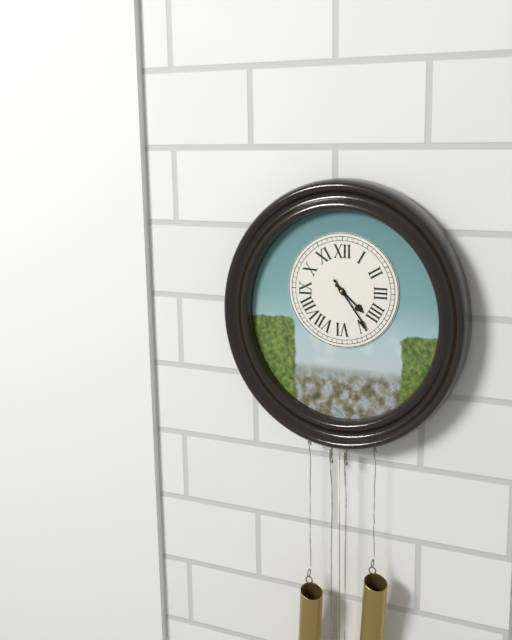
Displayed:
4:24
